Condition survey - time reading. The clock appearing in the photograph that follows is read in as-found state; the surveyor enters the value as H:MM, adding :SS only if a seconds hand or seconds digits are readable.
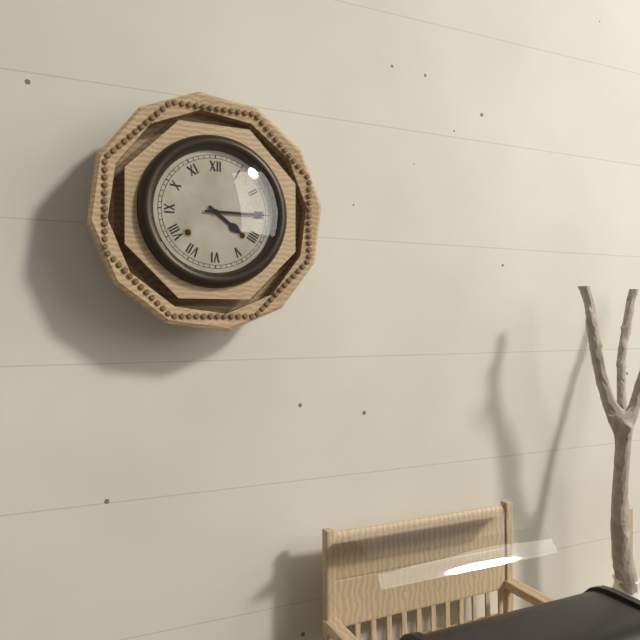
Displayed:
4:15
